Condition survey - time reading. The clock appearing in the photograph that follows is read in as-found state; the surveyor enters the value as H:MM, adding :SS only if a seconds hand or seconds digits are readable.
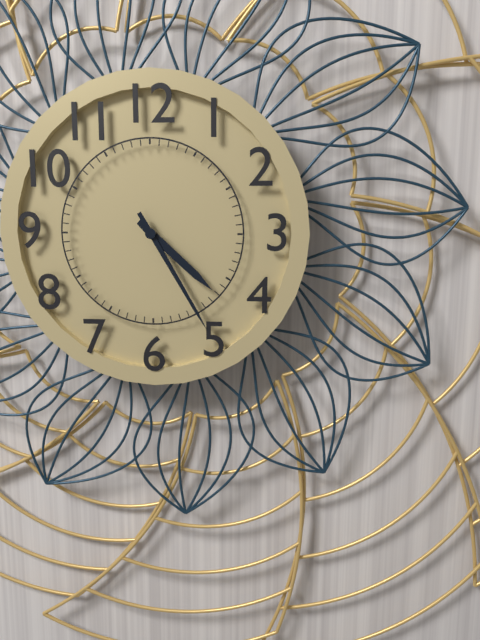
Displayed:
4:25
